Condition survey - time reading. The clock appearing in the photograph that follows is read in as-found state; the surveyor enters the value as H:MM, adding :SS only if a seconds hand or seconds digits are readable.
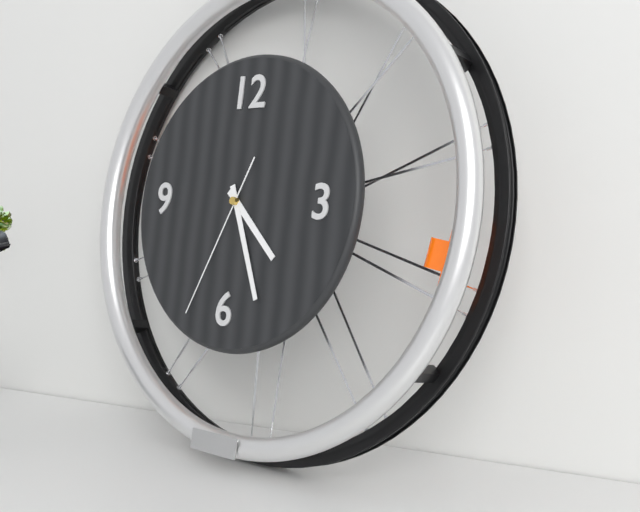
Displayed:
4:26:34
